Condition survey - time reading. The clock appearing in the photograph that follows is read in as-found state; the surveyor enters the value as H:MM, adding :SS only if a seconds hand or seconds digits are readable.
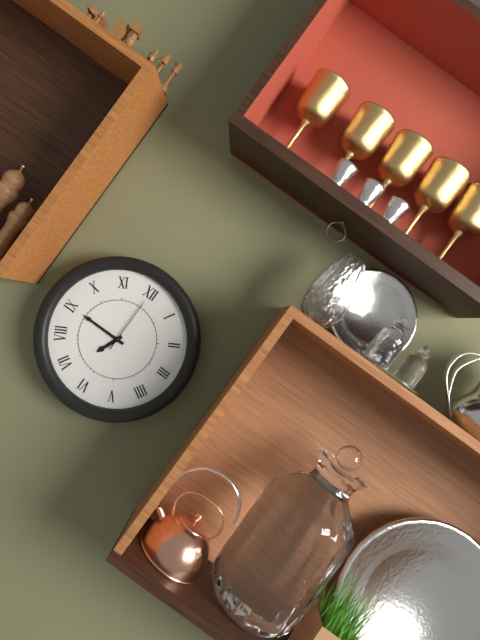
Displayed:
6:45:00
